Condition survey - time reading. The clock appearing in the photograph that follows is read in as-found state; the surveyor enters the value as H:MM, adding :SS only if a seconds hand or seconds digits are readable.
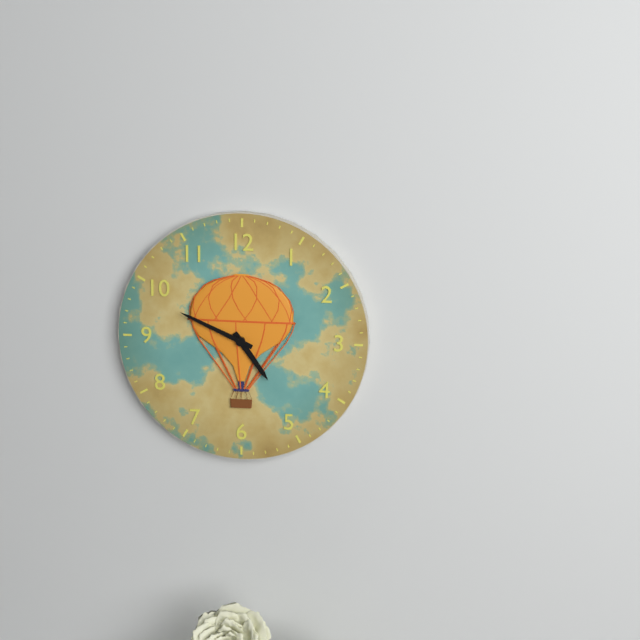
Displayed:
4:49
